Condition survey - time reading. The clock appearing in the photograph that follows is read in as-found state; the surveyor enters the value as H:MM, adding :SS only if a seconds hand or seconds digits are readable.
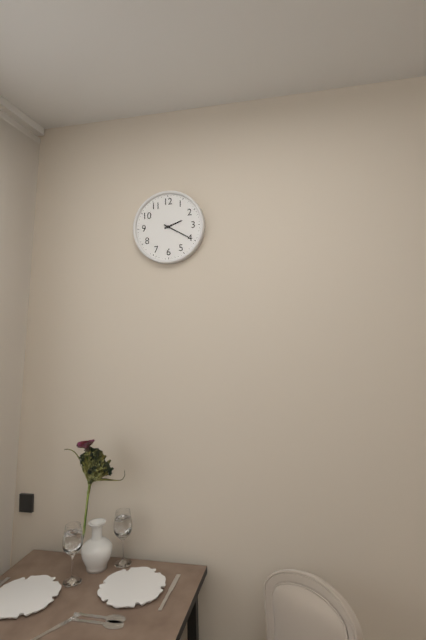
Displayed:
2:20
